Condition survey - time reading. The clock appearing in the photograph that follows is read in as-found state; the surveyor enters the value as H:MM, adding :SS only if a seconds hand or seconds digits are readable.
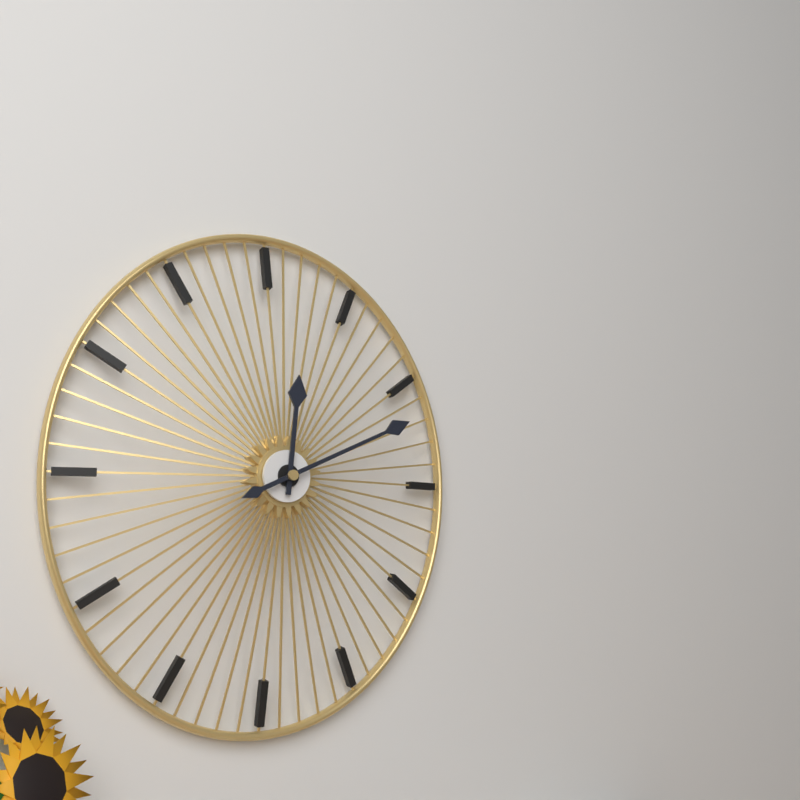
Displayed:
12:11
